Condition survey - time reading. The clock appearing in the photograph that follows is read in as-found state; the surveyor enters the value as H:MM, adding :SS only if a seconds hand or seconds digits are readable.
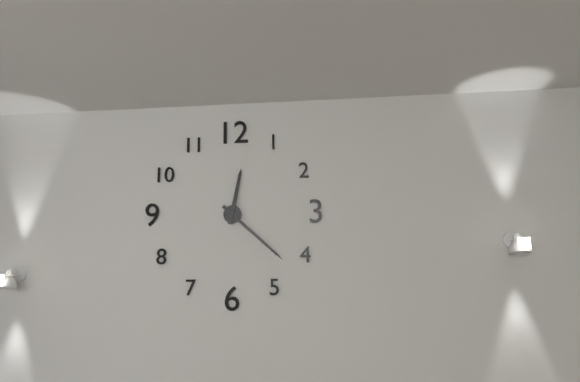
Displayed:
12:22
